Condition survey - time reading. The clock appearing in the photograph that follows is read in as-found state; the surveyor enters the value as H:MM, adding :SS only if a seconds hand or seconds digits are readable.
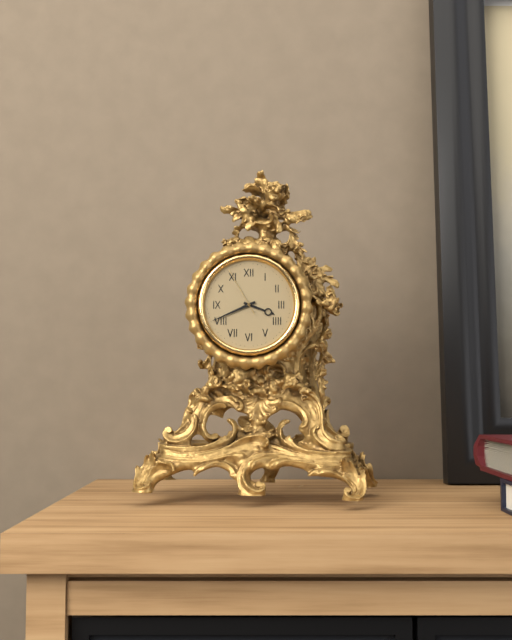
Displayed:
3:41:55
